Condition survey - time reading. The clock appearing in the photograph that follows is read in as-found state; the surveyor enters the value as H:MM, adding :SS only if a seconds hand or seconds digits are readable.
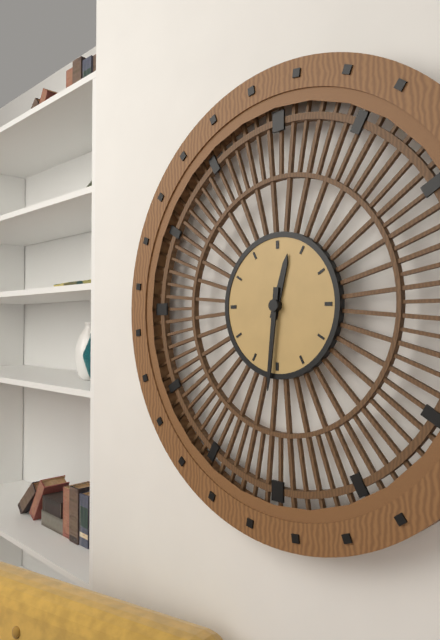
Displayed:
12:31
